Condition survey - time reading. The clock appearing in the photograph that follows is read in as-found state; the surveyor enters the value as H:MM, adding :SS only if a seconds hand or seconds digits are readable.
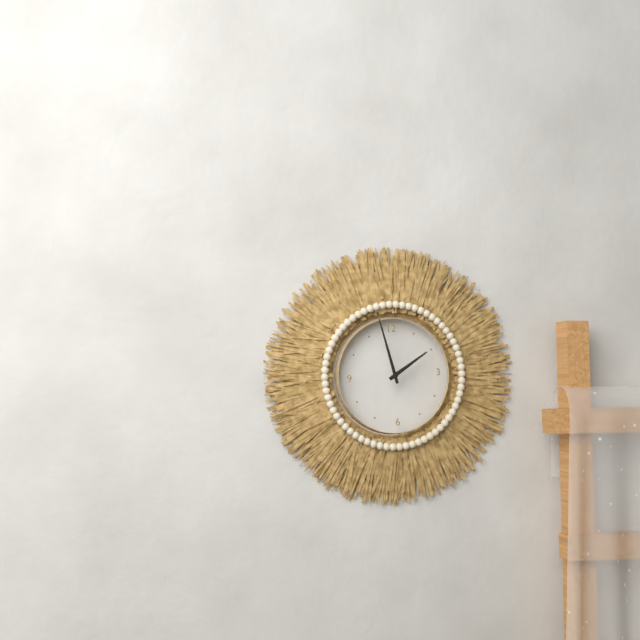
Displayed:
1:58
